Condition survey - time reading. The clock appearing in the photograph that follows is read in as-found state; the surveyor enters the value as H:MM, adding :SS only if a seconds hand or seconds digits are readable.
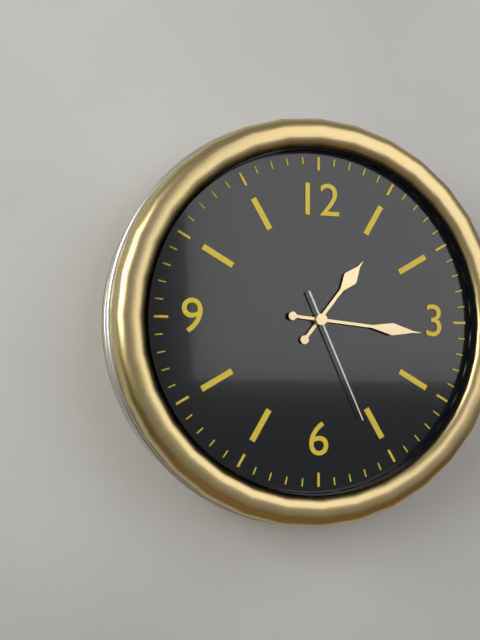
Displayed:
1:16:26
